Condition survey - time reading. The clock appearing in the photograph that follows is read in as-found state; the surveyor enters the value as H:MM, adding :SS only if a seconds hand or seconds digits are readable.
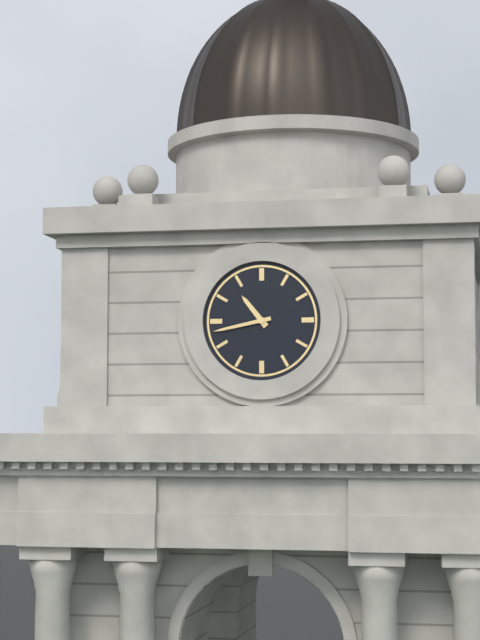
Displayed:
10:43
